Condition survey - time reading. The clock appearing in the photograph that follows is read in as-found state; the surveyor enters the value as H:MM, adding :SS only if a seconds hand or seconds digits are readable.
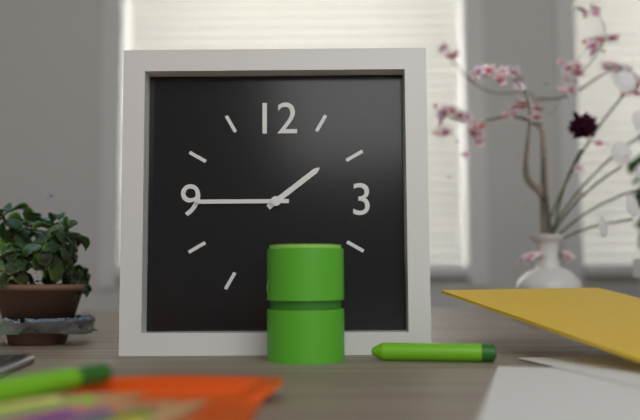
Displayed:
1:45
